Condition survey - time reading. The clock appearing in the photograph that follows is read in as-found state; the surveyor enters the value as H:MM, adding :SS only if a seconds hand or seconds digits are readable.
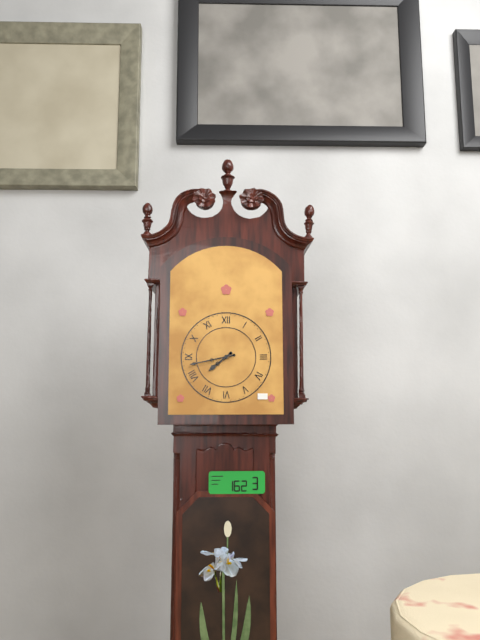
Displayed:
7:43
